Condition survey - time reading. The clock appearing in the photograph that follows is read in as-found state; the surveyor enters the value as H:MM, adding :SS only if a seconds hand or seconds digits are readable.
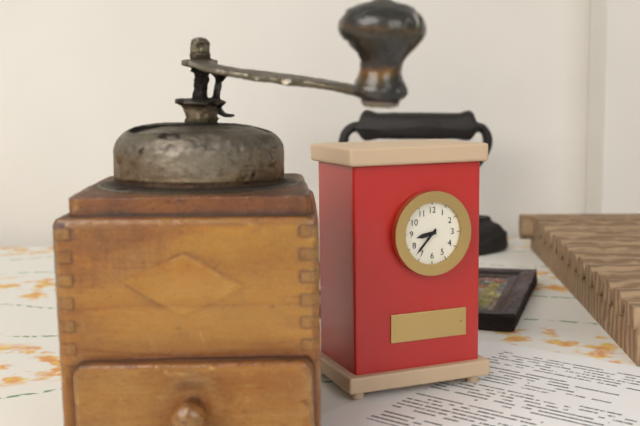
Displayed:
8:37
